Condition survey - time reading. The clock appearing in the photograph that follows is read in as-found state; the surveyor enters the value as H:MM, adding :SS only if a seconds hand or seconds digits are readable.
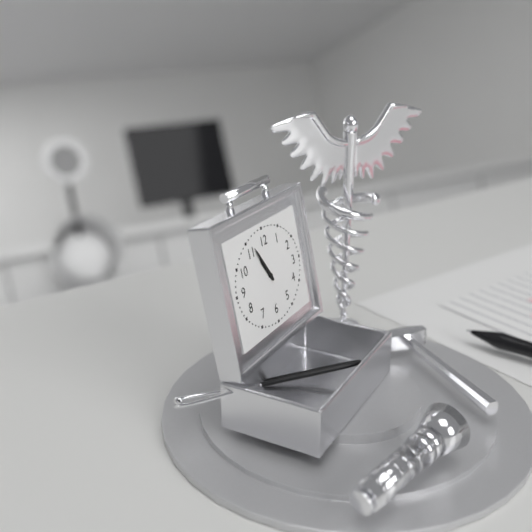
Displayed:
10:55
